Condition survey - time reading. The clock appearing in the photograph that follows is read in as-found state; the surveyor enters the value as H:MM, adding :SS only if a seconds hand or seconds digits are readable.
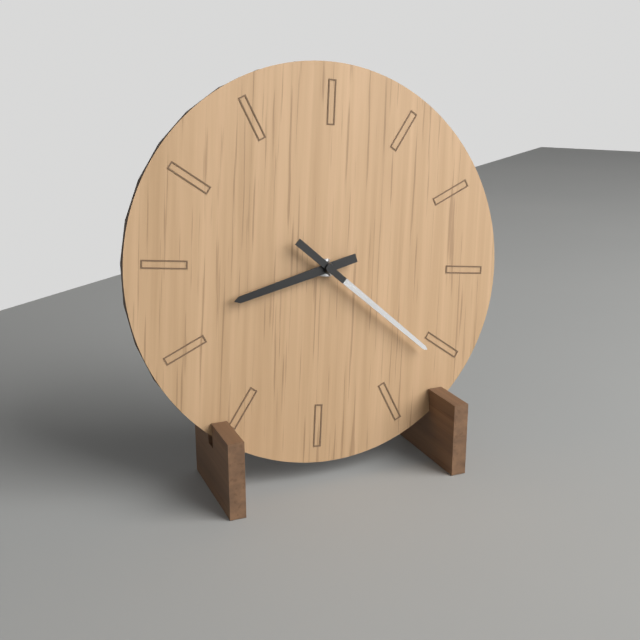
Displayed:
8:21
